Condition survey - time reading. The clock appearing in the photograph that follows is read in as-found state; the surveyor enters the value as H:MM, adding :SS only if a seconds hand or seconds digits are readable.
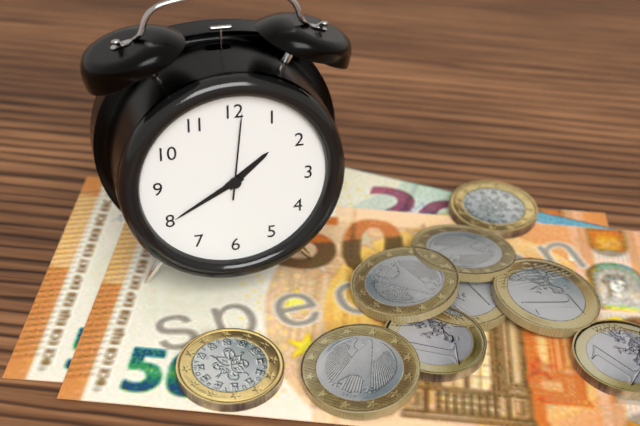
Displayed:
1:40:01
